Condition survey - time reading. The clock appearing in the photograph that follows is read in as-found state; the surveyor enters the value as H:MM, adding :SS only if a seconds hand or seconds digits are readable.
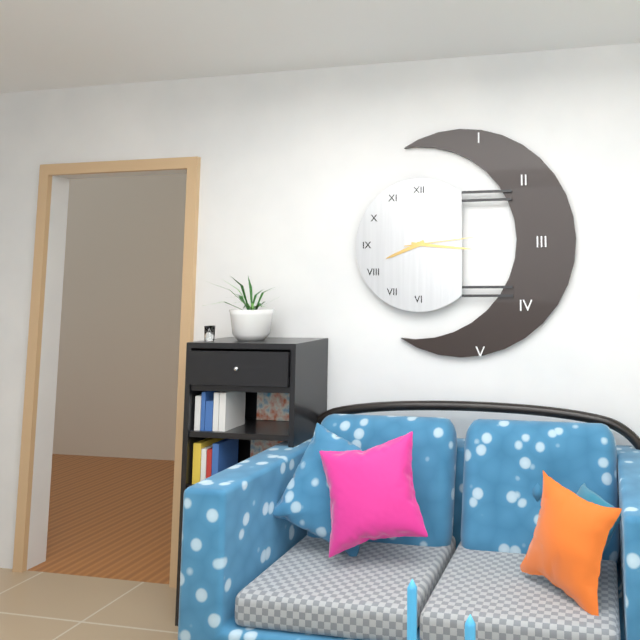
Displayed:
8:16:14
